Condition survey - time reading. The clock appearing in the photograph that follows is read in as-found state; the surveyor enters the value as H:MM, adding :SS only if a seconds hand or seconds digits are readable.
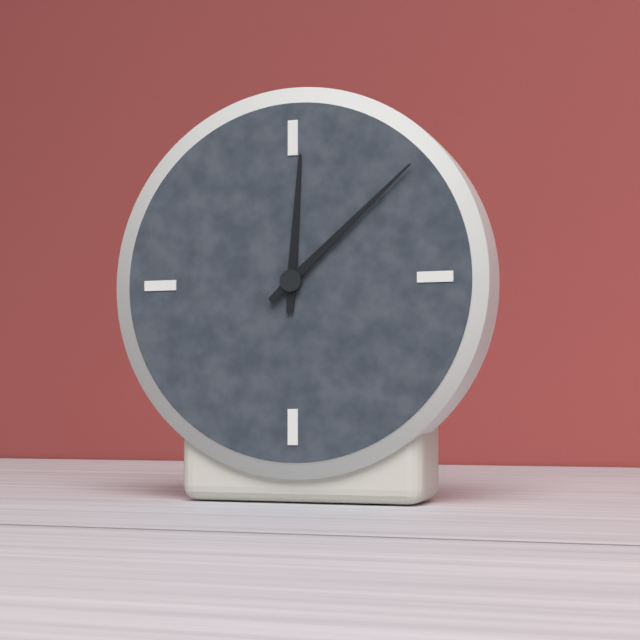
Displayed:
12:08
